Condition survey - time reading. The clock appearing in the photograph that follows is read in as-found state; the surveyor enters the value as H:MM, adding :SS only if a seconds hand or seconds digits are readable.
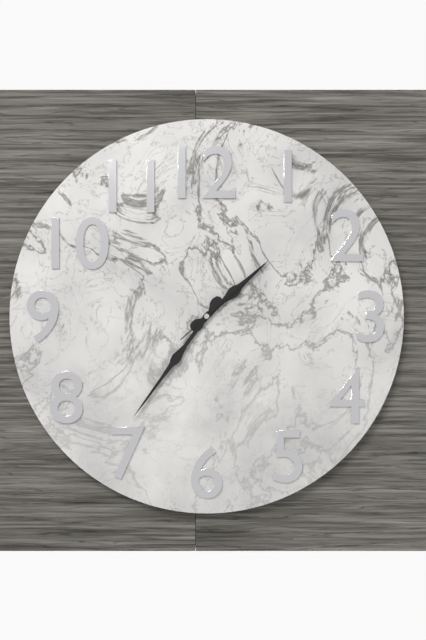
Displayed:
1:36:08
